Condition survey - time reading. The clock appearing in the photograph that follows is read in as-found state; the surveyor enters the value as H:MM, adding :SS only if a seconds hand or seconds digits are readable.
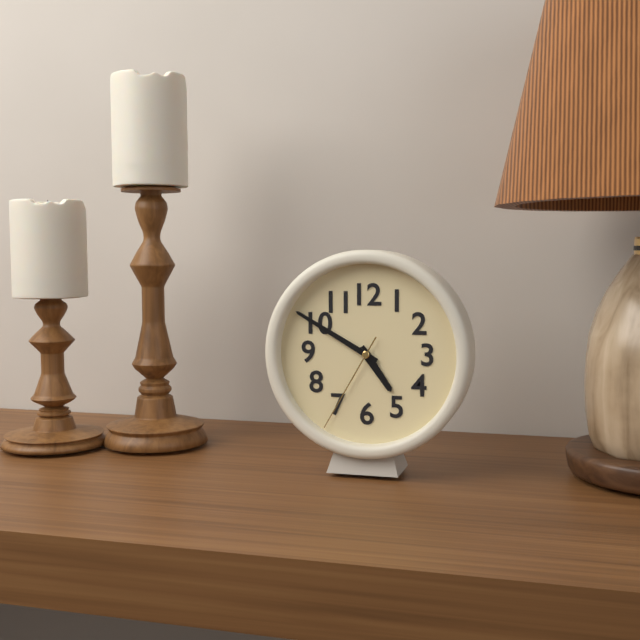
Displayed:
4:50:35
